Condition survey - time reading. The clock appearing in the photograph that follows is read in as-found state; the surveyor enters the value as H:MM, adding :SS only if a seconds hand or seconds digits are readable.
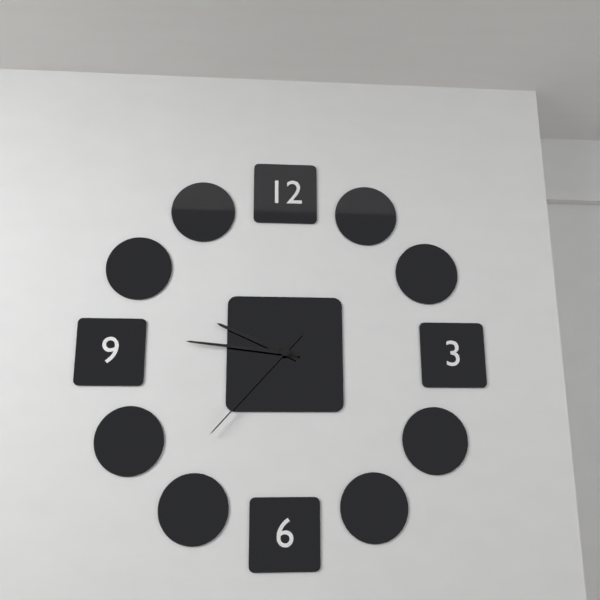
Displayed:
9:46:37
